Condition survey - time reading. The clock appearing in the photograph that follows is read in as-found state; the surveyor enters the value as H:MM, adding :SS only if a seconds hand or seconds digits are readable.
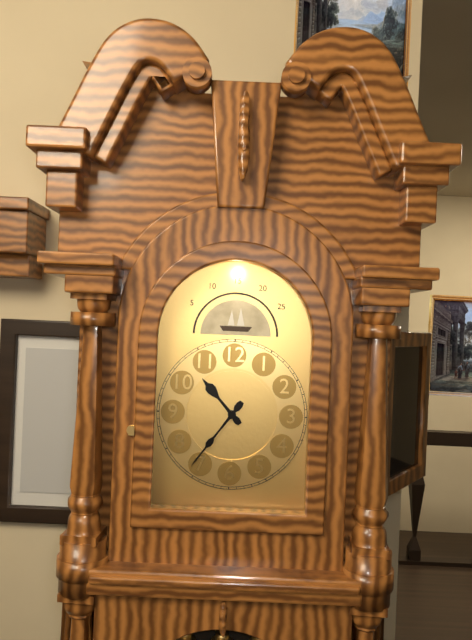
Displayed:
10:36
